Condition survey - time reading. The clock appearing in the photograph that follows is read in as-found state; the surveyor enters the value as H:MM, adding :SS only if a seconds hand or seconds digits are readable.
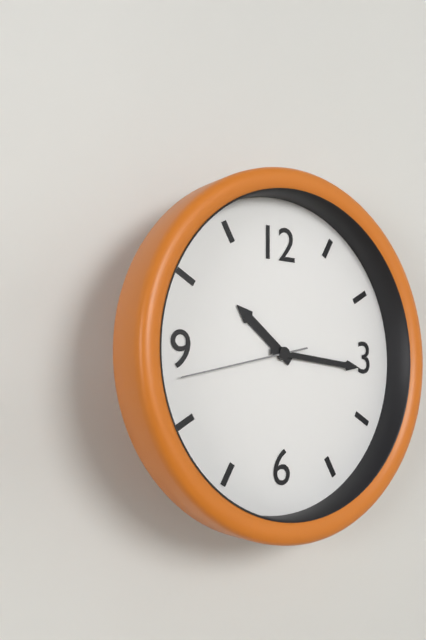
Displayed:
10:16:43
